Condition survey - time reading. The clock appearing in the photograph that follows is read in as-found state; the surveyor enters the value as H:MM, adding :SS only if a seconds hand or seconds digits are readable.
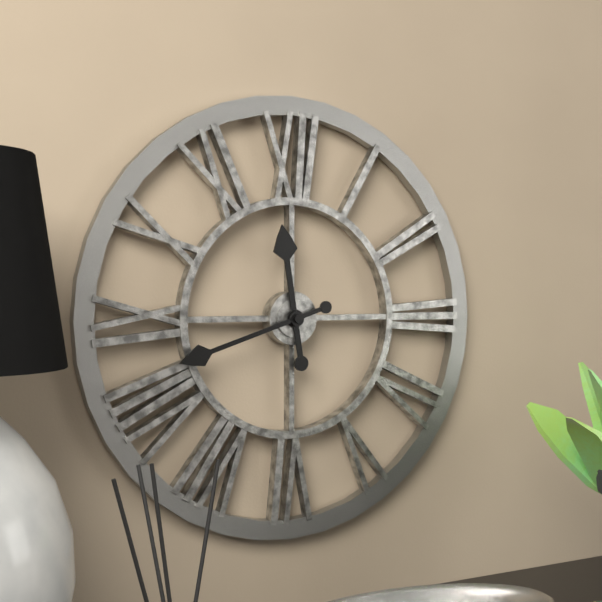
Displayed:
11:42
